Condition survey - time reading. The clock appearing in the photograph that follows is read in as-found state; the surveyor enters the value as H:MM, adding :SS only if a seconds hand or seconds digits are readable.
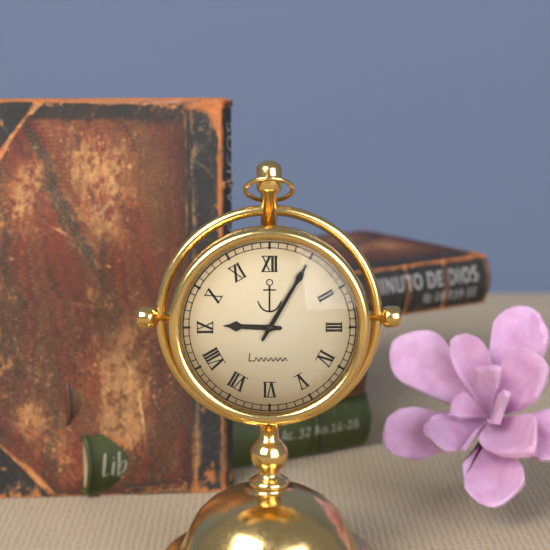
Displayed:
9:05
